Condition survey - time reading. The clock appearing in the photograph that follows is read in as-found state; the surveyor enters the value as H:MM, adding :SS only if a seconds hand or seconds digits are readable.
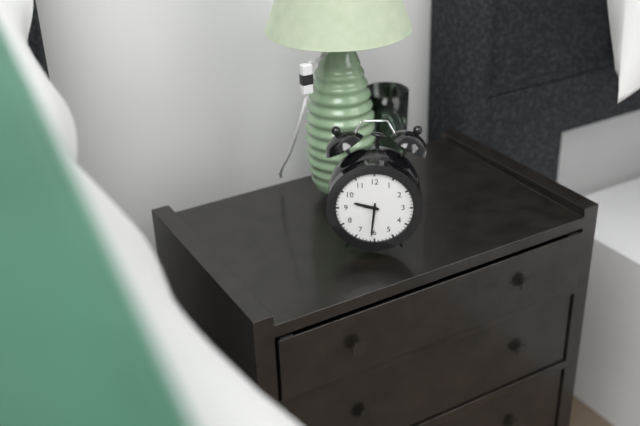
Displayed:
9:31
